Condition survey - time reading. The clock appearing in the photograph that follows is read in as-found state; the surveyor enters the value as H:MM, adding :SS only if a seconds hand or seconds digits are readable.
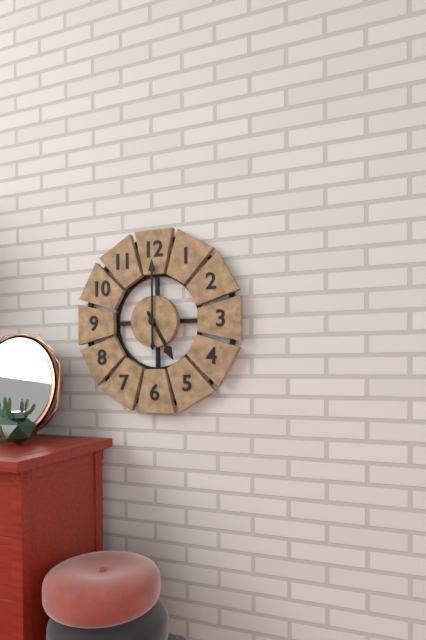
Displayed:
5:00
